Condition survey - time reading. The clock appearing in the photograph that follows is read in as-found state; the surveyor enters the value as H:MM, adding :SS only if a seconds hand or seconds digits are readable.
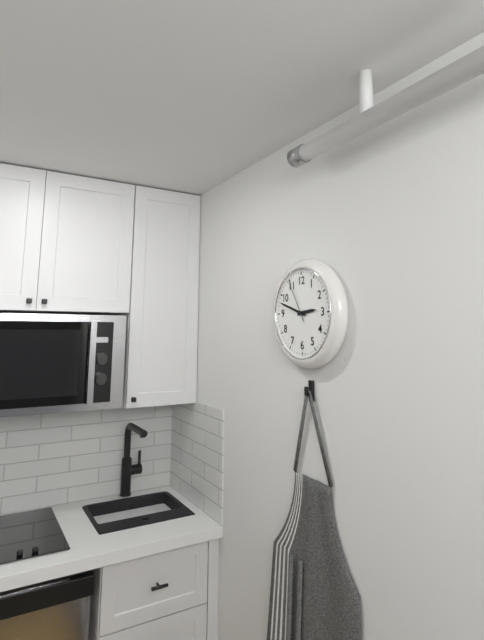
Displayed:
2:48:55
